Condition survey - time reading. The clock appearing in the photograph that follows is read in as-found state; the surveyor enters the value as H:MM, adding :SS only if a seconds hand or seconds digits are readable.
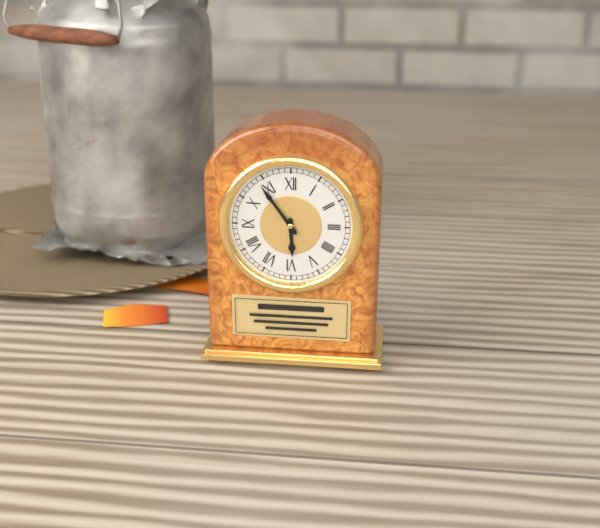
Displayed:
5:54
